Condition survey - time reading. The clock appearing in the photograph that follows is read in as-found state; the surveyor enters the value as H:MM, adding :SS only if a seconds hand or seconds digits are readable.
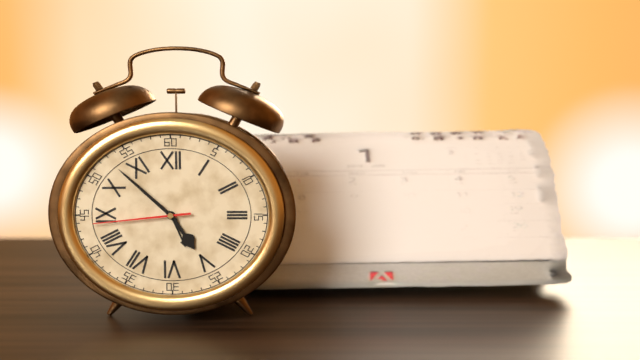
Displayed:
4:52:44
